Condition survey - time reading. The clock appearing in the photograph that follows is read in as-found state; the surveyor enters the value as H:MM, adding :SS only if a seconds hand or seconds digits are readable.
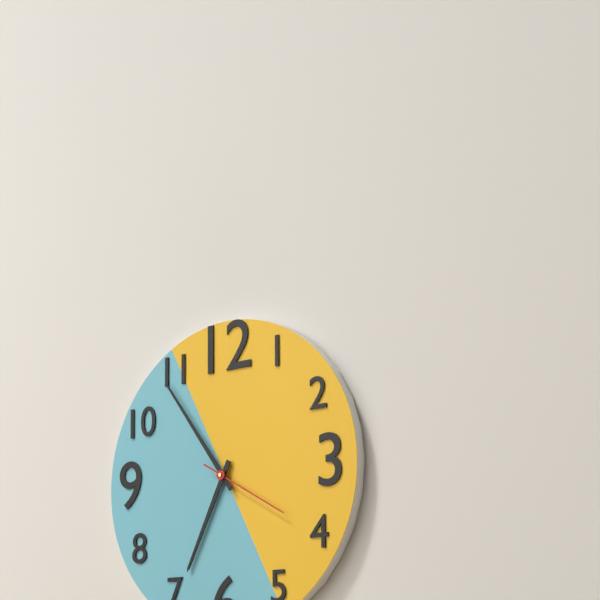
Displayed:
6:54:20
